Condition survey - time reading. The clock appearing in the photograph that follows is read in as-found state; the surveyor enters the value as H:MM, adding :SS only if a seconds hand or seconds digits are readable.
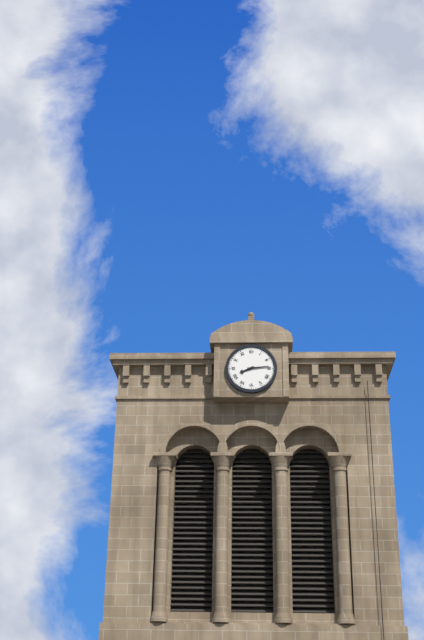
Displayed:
8:14
